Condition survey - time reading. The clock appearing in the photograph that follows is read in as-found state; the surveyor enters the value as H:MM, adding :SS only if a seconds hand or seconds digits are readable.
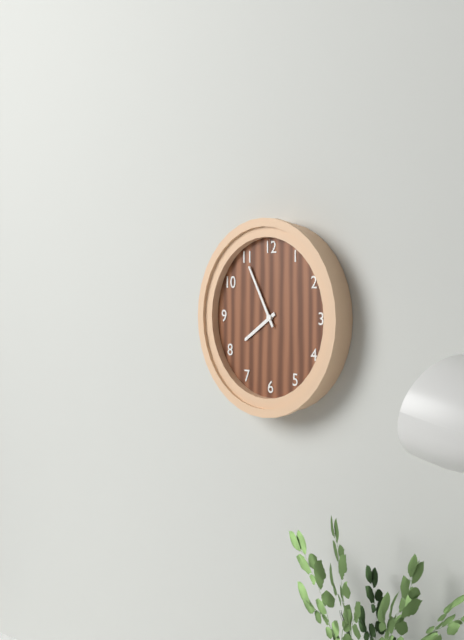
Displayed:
7:55
